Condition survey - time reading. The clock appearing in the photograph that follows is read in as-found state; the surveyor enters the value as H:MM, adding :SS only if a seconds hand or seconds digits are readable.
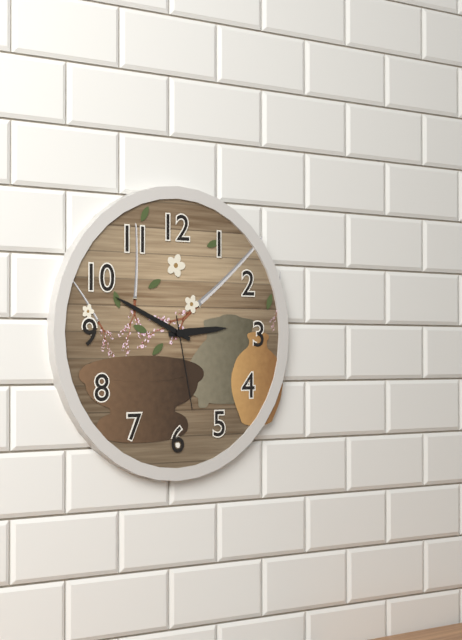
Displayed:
2:49:28
